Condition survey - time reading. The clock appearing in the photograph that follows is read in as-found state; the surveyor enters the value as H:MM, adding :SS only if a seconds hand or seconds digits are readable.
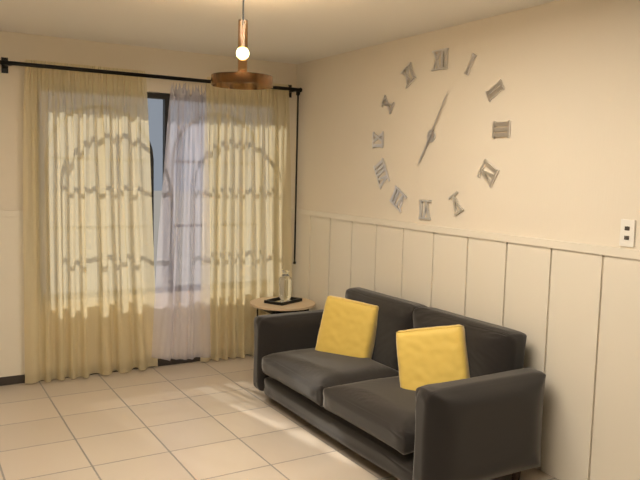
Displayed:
7:05
